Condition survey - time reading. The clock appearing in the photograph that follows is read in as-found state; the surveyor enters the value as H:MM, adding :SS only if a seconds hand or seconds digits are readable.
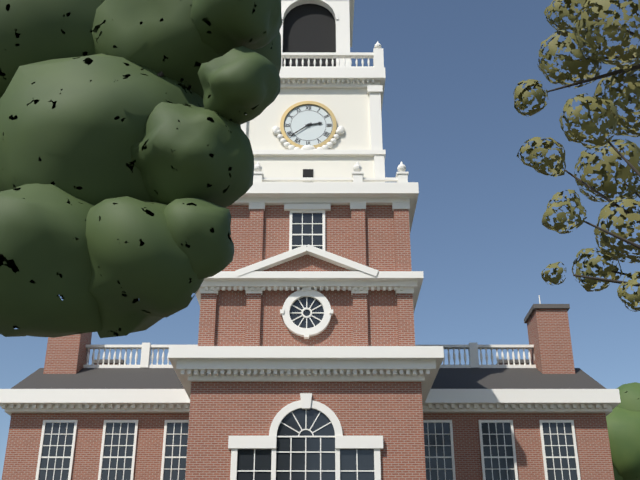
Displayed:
2:39
